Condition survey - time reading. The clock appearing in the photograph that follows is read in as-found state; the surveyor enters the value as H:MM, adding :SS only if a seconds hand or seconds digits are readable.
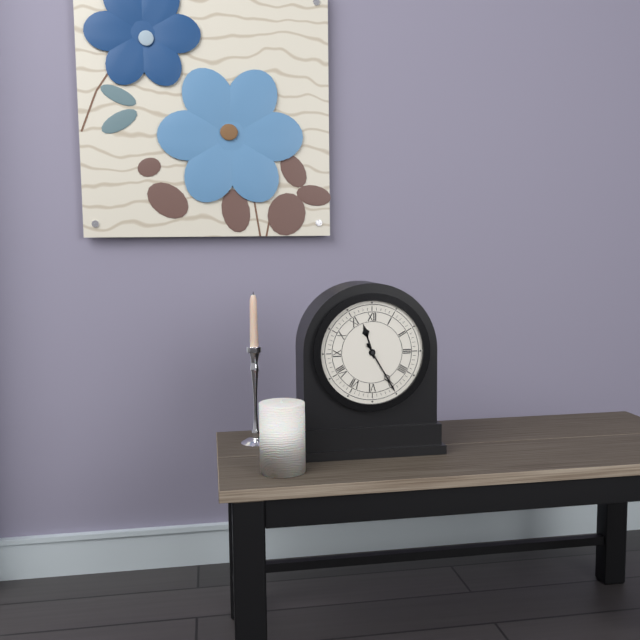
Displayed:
11:25
